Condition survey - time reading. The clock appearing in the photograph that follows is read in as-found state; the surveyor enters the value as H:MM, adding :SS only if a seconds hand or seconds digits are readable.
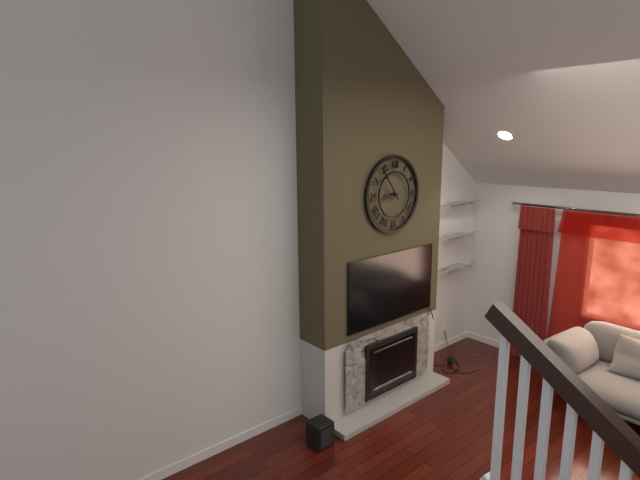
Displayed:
8:54
